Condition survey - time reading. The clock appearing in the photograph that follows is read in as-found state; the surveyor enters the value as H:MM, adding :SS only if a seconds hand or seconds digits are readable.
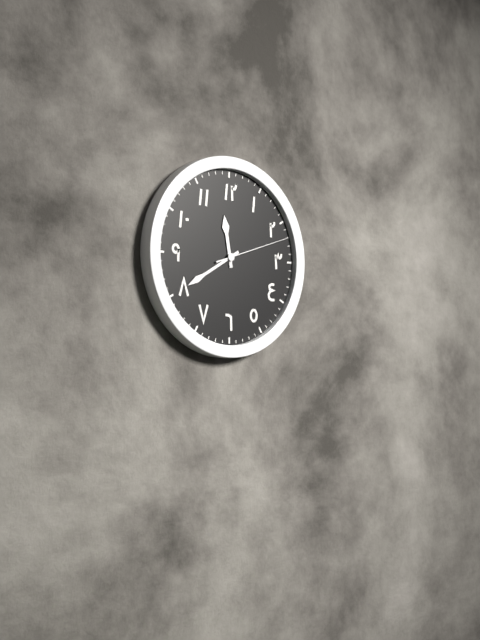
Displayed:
11:40:12
